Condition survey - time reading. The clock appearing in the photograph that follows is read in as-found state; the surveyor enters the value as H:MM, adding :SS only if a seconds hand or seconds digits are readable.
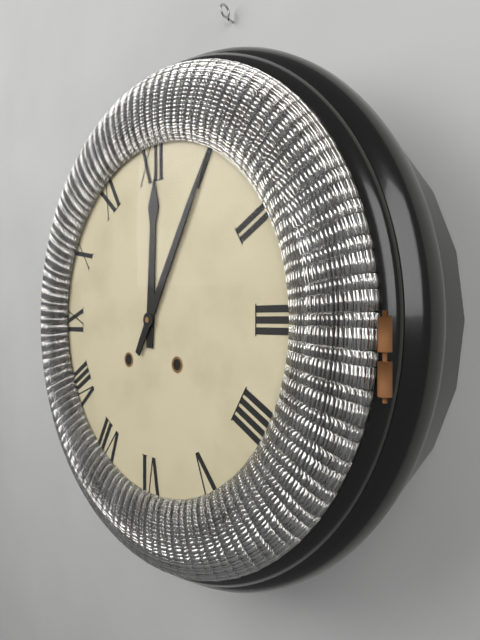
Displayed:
12:05
